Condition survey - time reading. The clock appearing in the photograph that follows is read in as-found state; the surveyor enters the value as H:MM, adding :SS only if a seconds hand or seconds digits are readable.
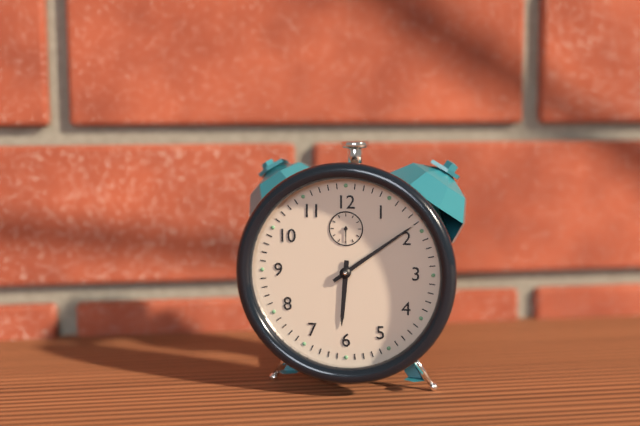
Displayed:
6:09
